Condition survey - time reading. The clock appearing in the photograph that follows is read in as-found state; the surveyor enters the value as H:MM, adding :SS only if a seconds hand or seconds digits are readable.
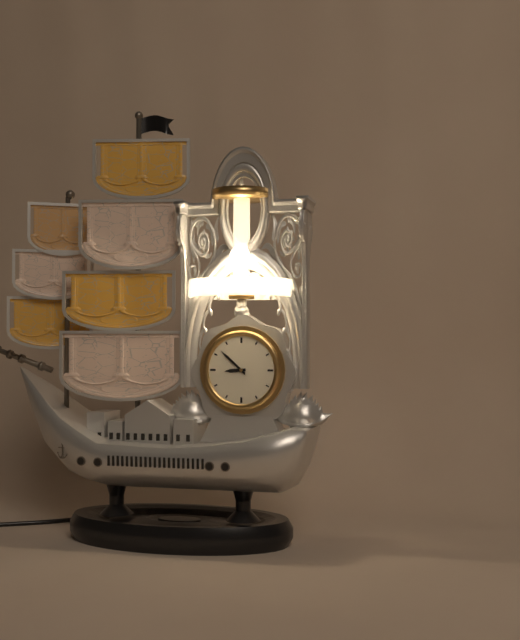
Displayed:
8:52
